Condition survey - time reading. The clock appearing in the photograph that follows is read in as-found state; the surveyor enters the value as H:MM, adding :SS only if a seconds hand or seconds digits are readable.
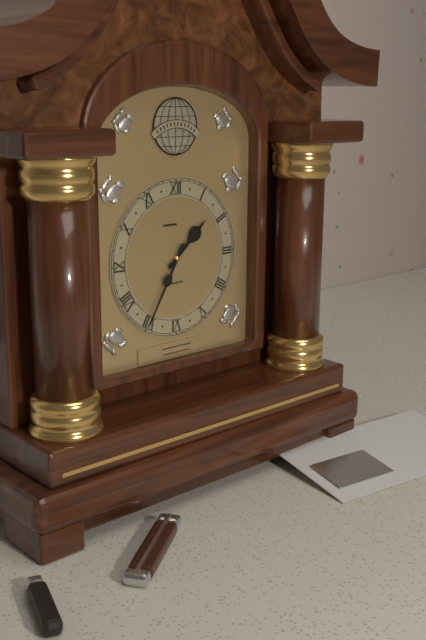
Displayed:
1:35
